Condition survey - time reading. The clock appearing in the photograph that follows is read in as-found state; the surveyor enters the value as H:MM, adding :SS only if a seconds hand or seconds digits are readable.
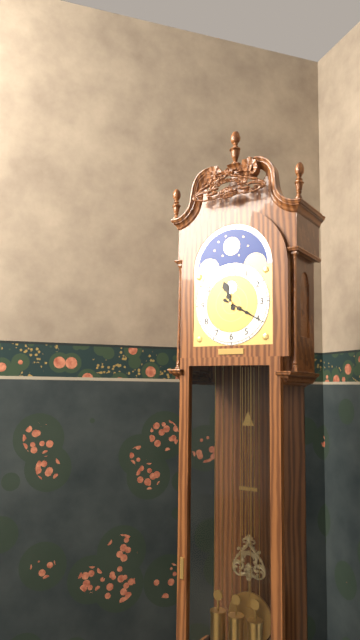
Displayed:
11:20
